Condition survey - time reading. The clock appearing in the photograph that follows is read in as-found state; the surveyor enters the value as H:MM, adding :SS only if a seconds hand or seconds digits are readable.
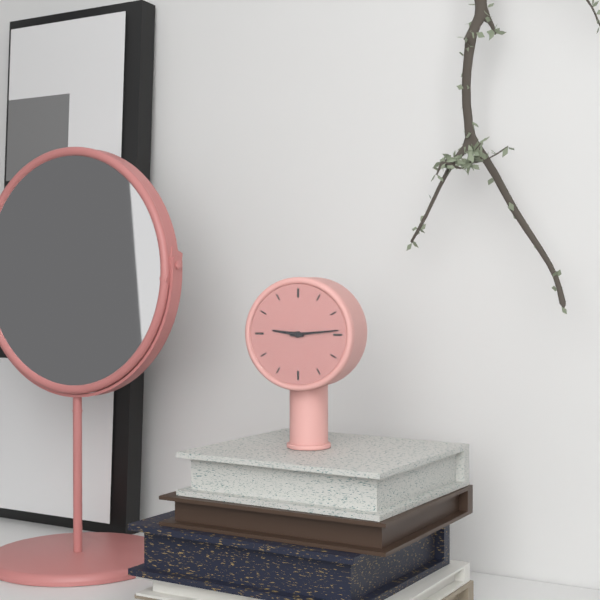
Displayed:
9:14
